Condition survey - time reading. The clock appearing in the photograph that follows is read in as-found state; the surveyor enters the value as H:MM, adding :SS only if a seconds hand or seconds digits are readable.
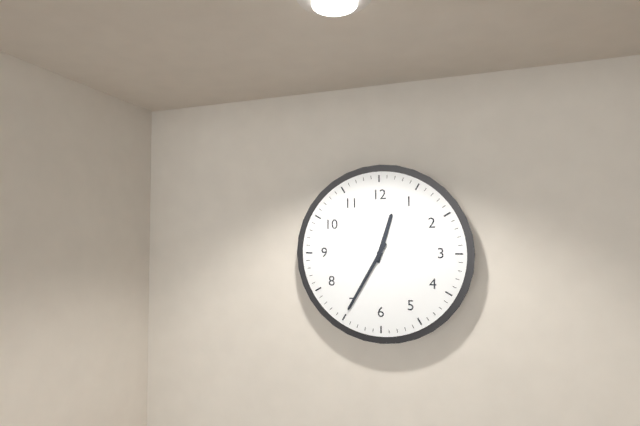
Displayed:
12:35
